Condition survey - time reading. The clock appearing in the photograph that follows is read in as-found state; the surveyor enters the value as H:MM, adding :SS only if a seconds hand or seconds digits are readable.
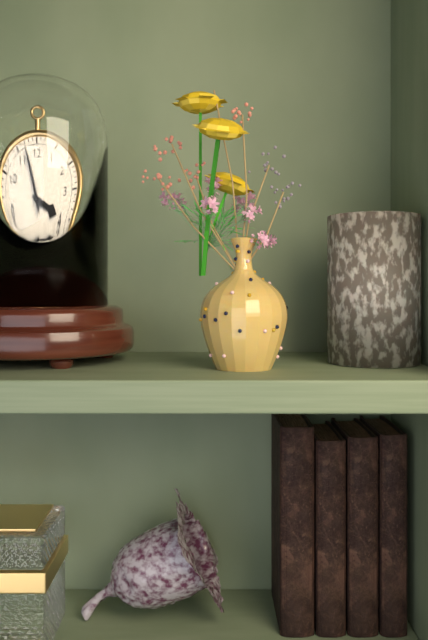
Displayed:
3:57
